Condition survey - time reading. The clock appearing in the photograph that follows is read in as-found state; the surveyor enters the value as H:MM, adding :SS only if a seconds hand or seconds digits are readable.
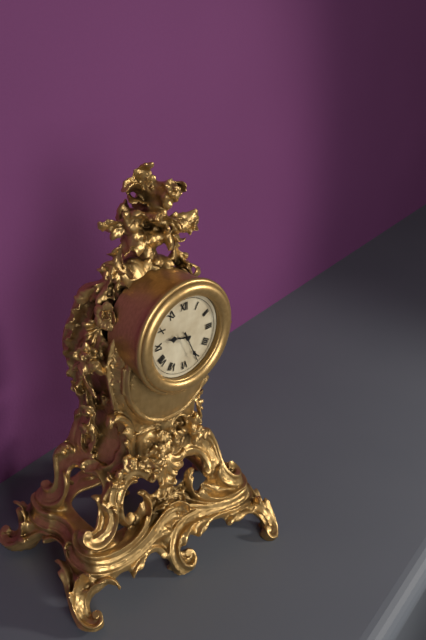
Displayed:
9:26
